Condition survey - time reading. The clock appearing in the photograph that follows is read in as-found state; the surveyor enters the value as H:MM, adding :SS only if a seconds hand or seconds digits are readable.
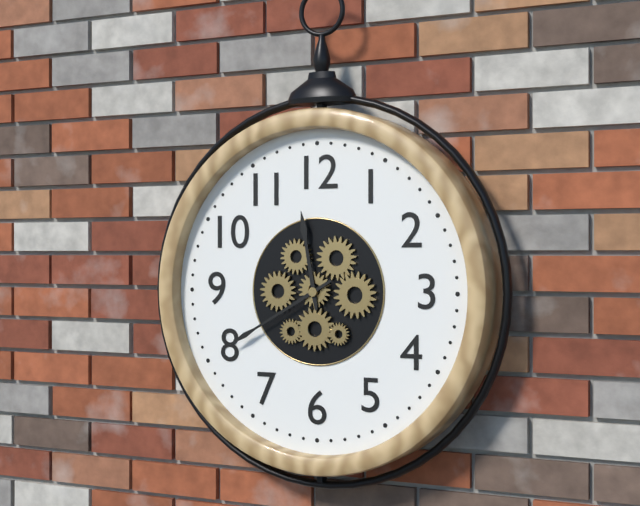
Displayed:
11:40
